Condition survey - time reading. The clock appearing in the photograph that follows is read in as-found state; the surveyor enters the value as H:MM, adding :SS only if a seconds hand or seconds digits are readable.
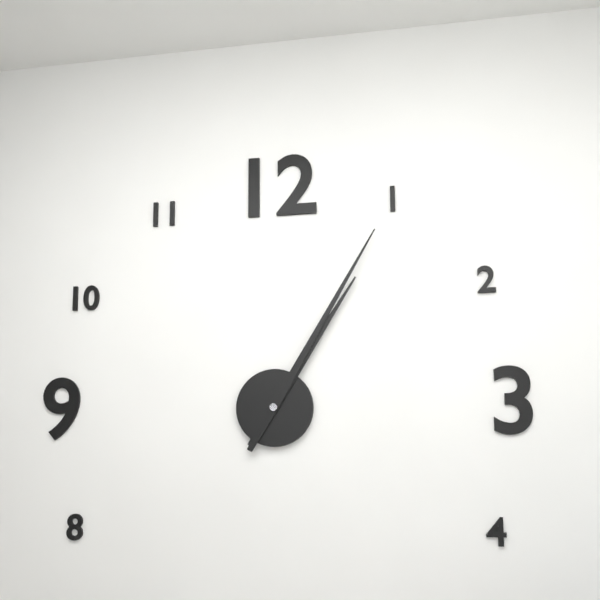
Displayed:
1:05
